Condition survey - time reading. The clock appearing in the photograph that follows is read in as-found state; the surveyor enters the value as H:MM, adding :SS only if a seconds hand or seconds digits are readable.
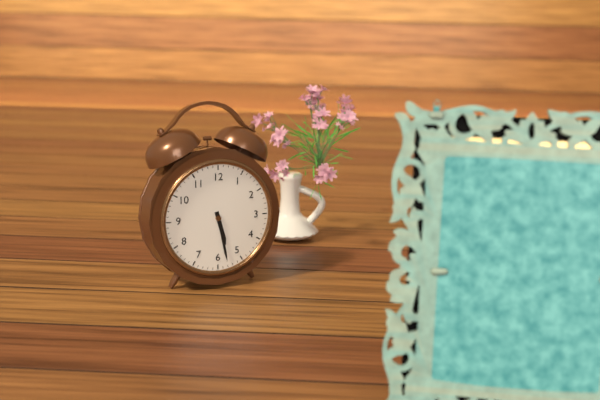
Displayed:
5:28
